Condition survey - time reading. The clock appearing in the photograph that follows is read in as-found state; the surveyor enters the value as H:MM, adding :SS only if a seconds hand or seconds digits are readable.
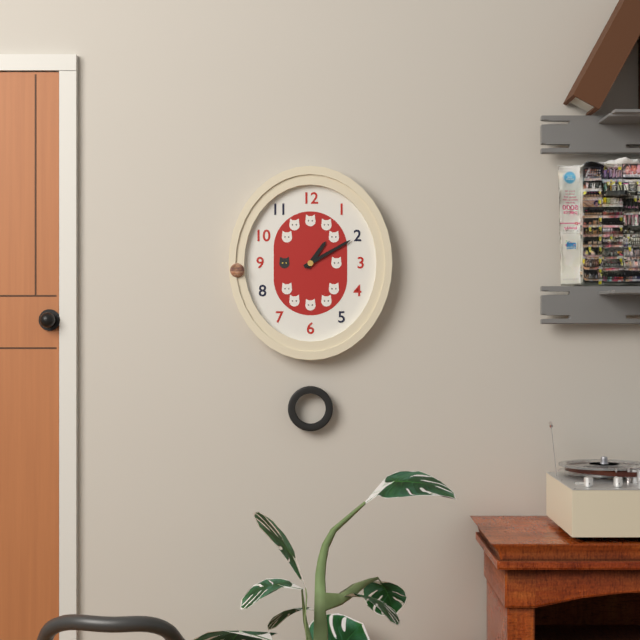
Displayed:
1:10
